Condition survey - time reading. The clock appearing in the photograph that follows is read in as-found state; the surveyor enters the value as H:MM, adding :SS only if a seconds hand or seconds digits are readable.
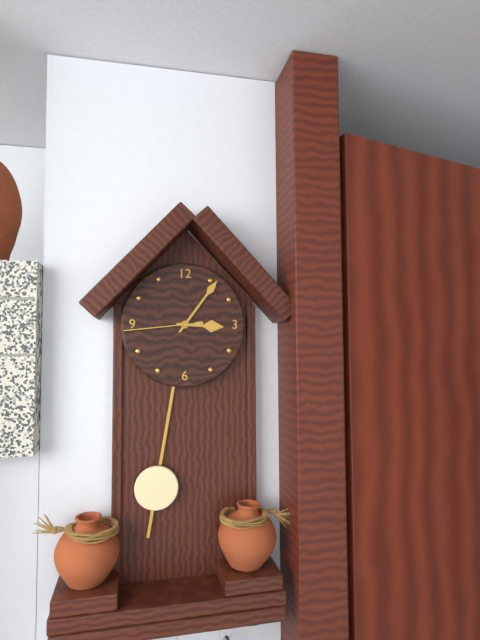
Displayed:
3:06:44
